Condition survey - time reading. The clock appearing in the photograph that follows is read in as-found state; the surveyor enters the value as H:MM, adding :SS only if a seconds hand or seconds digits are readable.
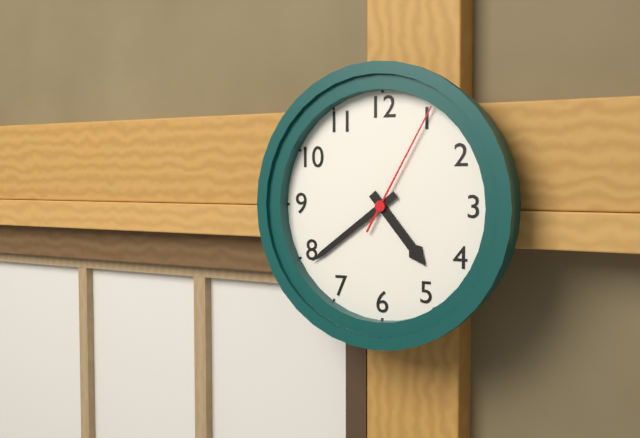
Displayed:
4:39:05
